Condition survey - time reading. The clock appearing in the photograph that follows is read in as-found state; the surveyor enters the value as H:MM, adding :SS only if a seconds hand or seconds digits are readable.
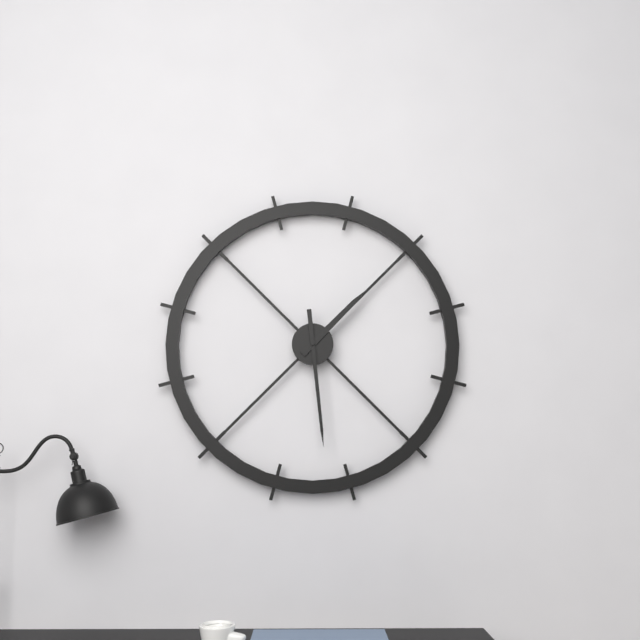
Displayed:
1:29
